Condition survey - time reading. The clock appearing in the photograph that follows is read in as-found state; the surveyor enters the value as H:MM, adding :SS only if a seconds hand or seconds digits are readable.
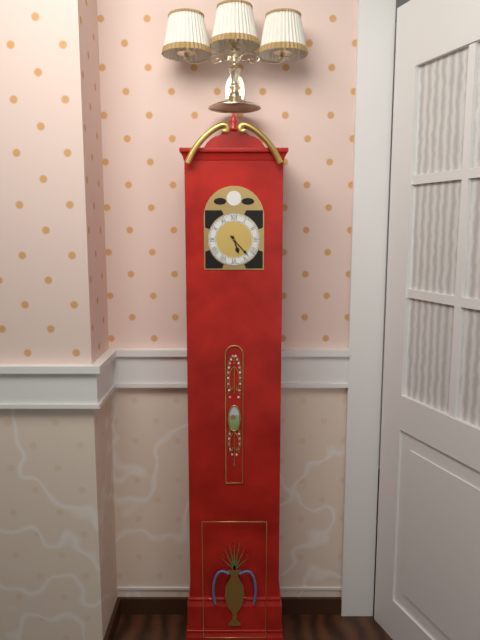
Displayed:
5:23
